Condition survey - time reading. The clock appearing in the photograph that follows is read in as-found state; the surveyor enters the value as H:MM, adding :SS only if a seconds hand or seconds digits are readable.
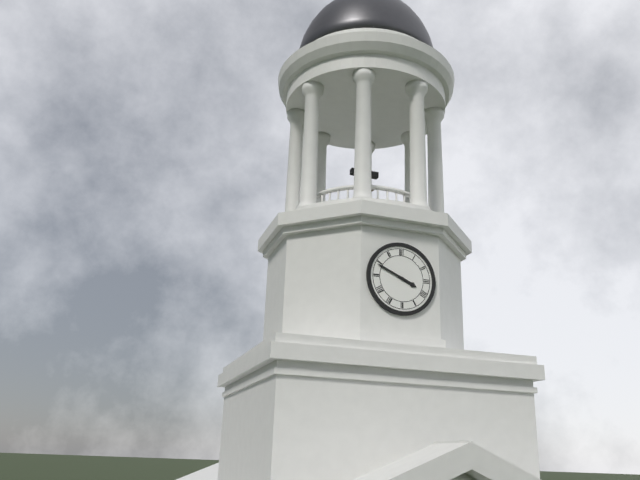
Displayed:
3:49
